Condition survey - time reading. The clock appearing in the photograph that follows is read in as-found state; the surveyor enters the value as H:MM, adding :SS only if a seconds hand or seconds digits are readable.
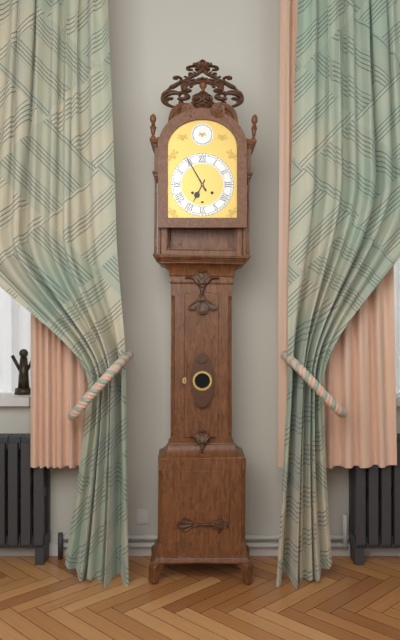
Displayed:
6:55
